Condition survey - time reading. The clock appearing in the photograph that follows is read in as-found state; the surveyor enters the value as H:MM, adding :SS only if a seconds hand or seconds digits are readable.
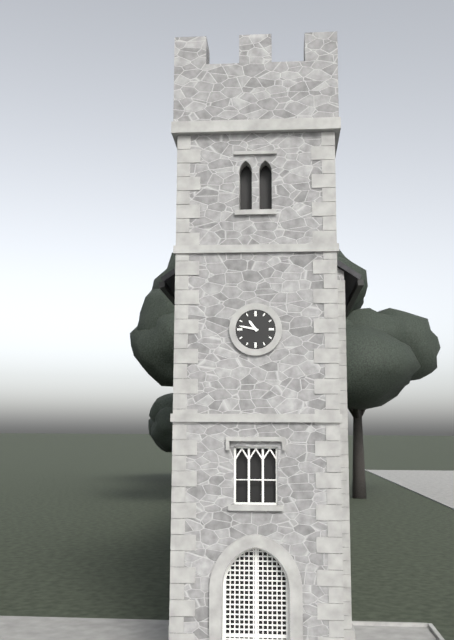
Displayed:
10:47
